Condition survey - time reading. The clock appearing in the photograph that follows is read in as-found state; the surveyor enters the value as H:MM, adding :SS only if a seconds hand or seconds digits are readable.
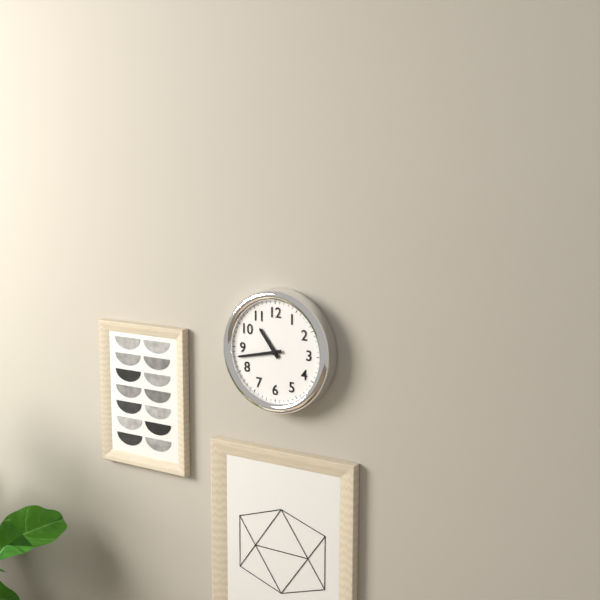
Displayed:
10:43
